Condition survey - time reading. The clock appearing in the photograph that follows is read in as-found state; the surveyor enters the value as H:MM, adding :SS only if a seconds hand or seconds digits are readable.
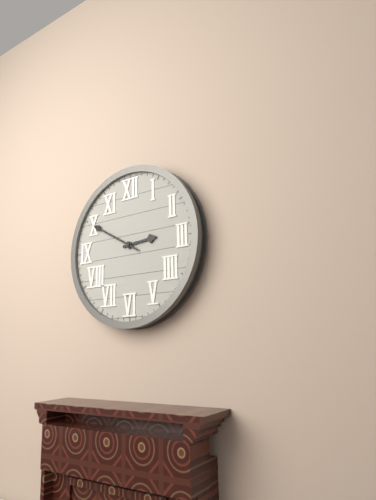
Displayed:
2:50
